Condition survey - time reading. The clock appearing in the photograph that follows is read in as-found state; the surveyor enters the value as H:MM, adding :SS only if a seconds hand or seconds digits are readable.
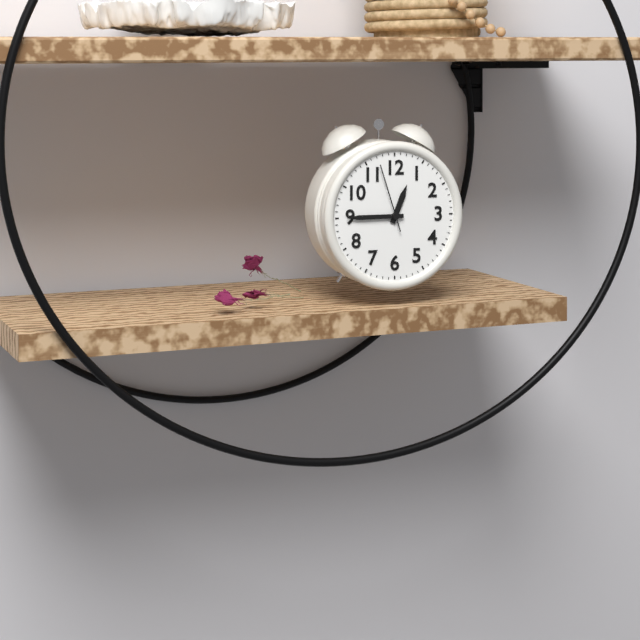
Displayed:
12:45:57
